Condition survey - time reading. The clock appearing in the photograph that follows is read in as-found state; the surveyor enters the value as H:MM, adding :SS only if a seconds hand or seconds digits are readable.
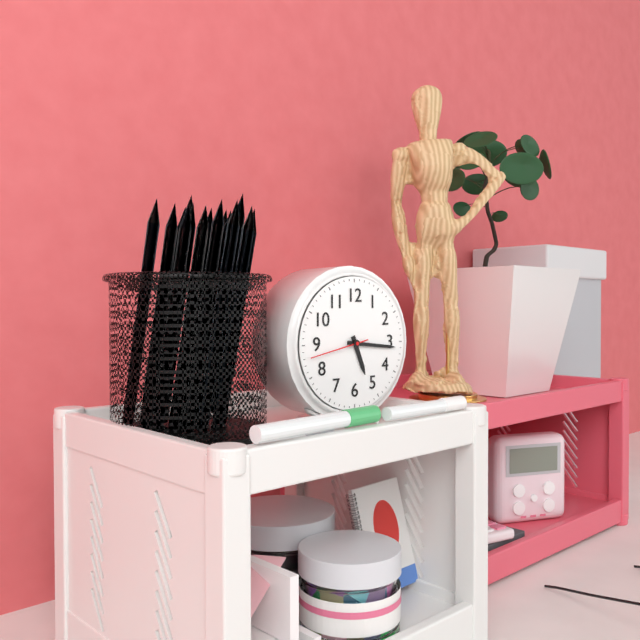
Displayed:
5:16:43
